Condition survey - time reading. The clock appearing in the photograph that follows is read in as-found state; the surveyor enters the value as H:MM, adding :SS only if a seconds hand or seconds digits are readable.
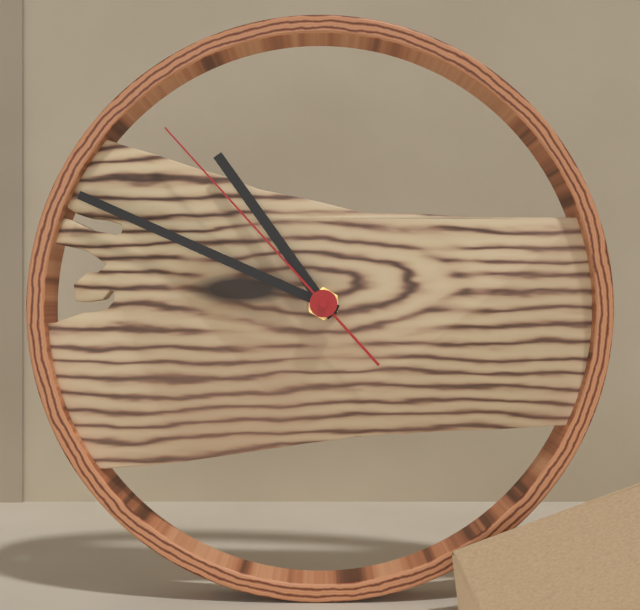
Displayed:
10:49:53
